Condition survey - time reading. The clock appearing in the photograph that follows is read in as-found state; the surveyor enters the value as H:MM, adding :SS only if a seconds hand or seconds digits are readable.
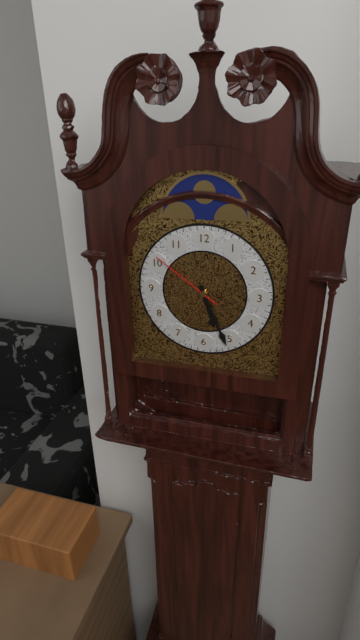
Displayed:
5:26:51
